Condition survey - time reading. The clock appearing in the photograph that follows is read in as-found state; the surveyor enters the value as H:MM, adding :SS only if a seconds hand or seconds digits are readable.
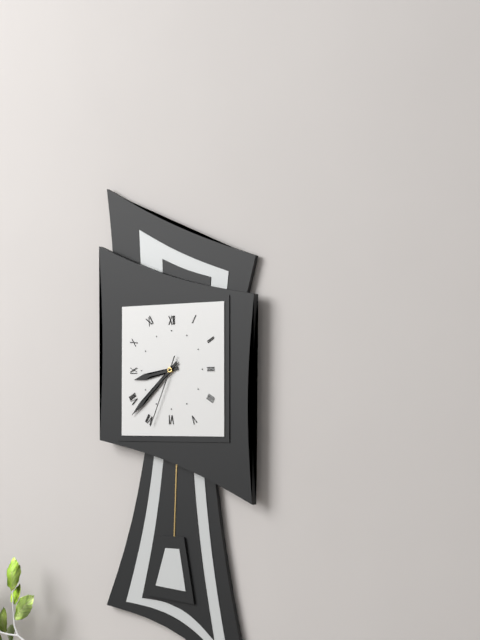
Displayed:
8:38:34
